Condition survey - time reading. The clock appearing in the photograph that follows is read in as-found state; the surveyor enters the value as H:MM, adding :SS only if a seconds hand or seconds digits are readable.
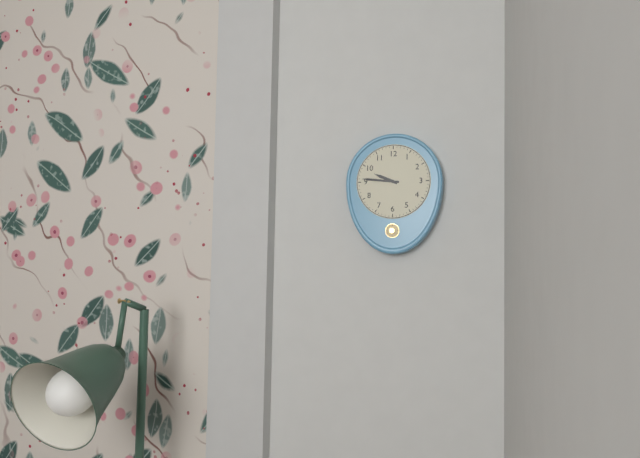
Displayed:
9:46
